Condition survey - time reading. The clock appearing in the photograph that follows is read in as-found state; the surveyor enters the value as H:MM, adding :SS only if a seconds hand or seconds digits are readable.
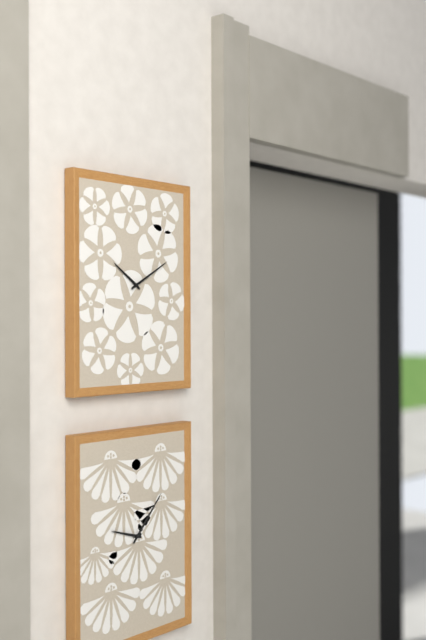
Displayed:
10:10
